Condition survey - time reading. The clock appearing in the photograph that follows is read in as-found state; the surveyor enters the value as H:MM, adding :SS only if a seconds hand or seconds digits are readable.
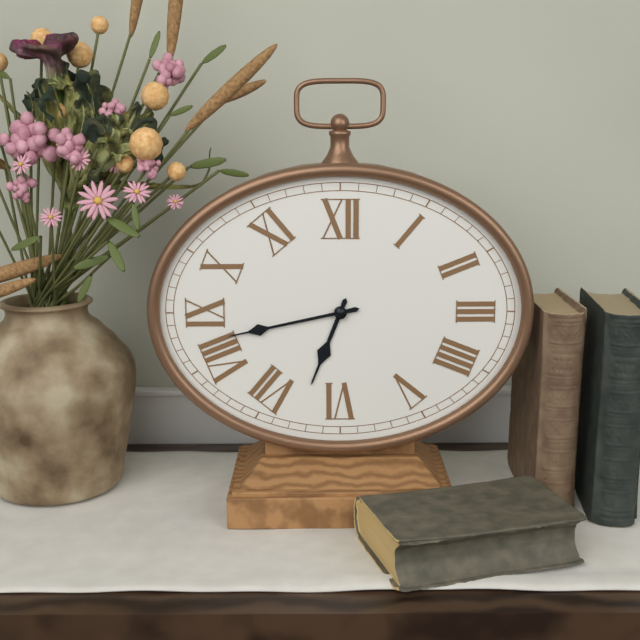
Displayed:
6:43
